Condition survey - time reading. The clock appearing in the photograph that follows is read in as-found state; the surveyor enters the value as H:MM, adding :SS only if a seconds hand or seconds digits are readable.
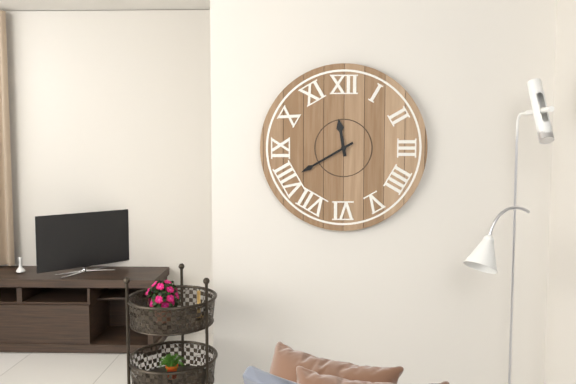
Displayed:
11:40
